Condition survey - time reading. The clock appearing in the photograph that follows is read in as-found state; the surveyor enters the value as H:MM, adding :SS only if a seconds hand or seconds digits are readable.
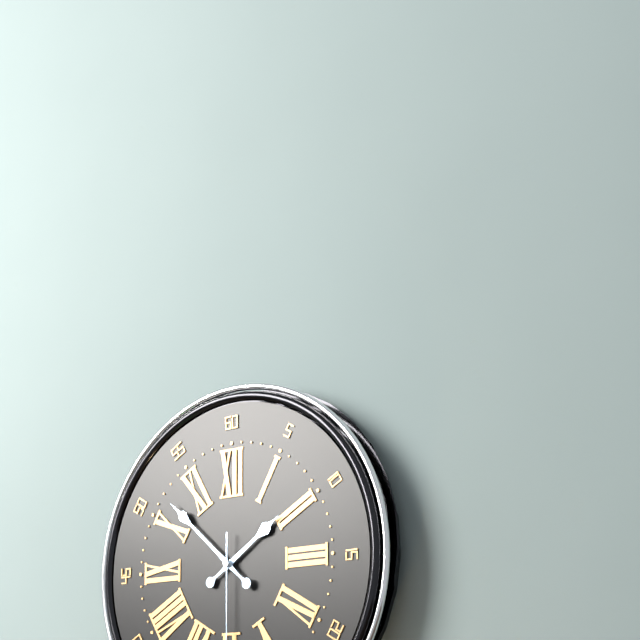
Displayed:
1:52
